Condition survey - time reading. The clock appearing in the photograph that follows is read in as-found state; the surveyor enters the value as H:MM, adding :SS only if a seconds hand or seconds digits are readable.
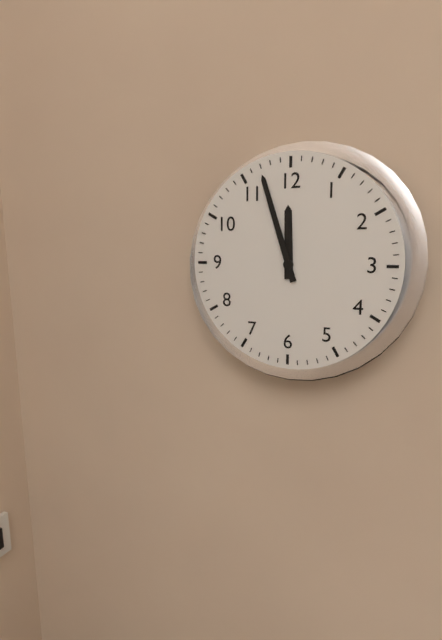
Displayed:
11:57
